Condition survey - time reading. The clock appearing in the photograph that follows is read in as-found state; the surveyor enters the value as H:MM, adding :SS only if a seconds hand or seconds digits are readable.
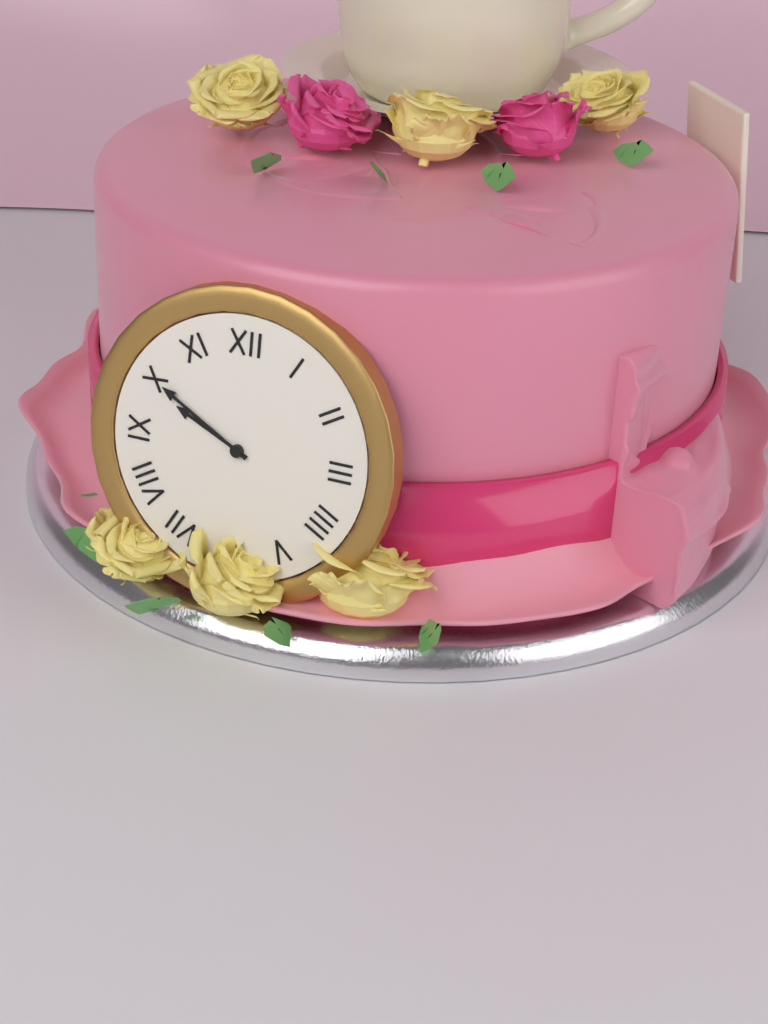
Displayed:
9:50
